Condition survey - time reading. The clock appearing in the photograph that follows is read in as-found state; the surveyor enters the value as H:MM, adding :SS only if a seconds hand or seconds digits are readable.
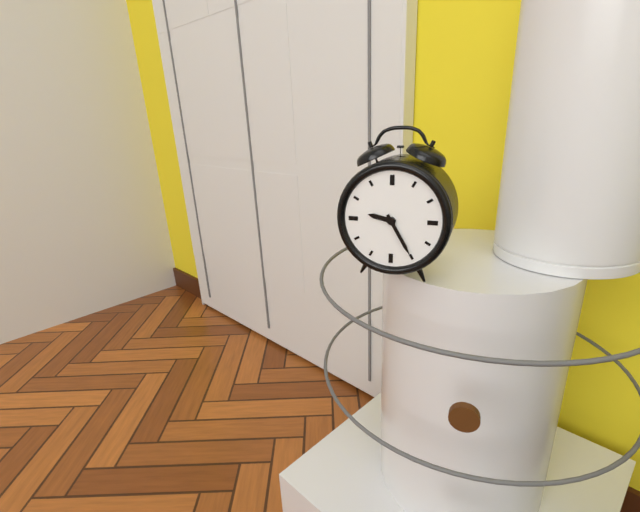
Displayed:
9:25
